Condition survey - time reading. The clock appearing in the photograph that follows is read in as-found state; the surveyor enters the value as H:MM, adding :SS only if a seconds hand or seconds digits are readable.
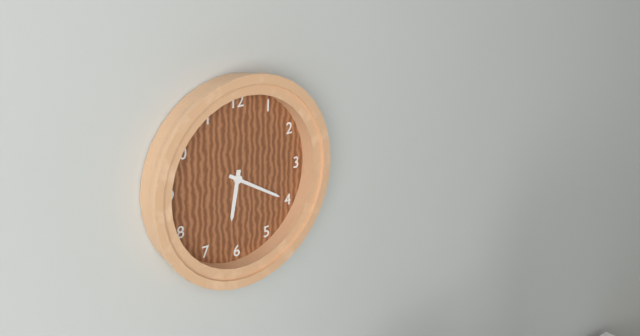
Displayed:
6:20
